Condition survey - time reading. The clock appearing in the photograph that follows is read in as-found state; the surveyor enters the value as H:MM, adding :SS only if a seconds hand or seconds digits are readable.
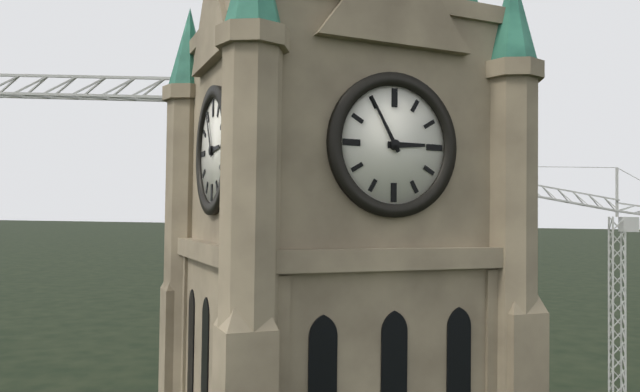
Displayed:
2:55
